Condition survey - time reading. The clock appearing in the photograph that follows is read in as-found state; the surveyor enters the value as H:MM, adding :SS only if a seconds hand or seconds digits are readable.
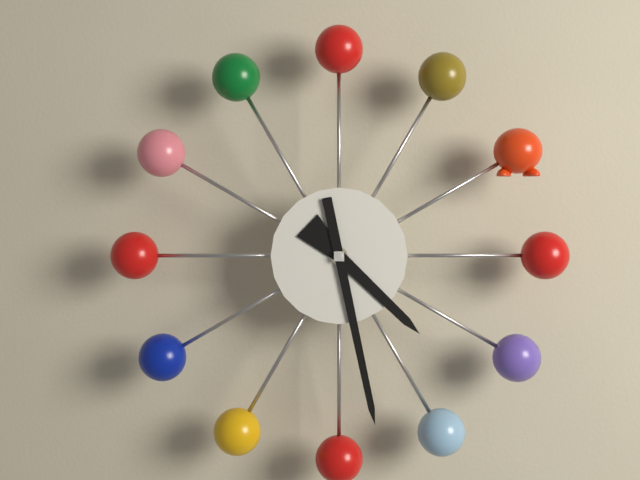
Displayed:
4:28
